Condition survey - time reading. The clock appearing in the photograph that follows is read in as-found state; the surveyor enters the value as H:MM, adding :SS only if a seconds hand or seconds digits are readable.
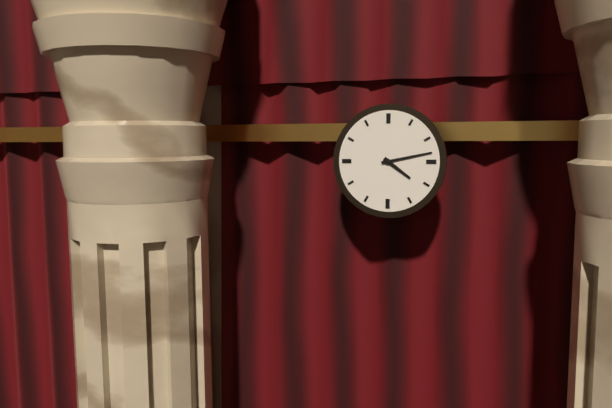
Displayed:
4:13
